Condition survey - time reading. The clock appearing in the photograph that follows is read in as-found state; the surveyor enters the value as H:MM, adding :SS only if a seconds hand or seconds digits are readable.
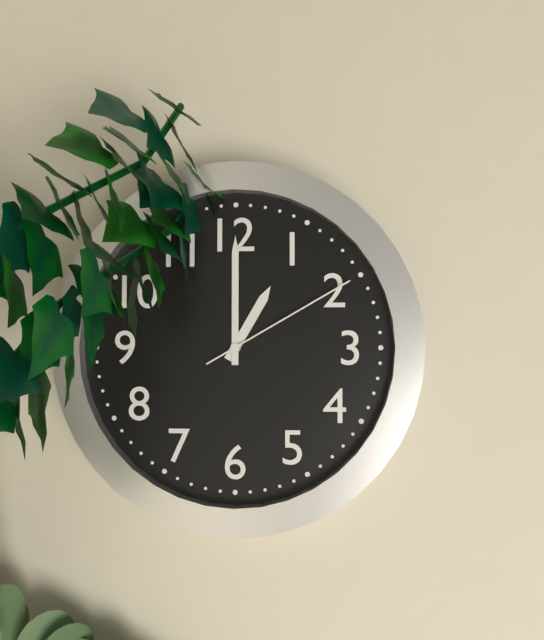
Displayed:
1:00:10
